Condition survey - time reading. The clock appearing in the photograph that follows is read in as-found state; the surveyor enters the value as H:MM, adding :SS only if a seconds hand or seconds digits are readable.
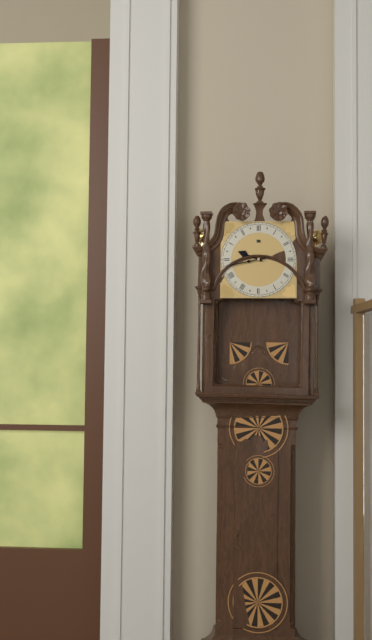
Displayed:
9:43
